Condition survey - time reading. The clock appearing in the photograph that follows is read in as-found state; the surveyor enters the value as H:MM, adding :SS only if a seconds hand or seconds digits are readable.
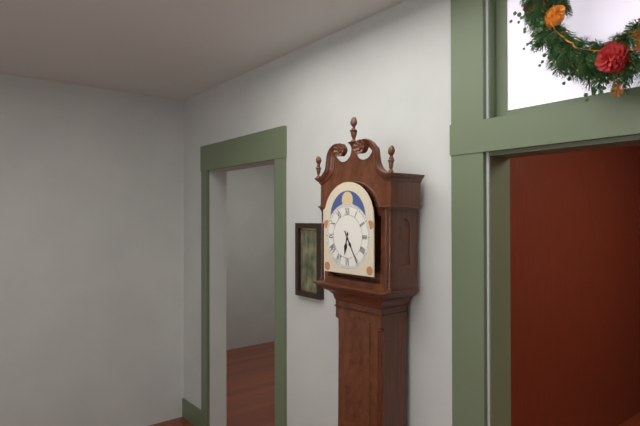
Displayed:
6:25
